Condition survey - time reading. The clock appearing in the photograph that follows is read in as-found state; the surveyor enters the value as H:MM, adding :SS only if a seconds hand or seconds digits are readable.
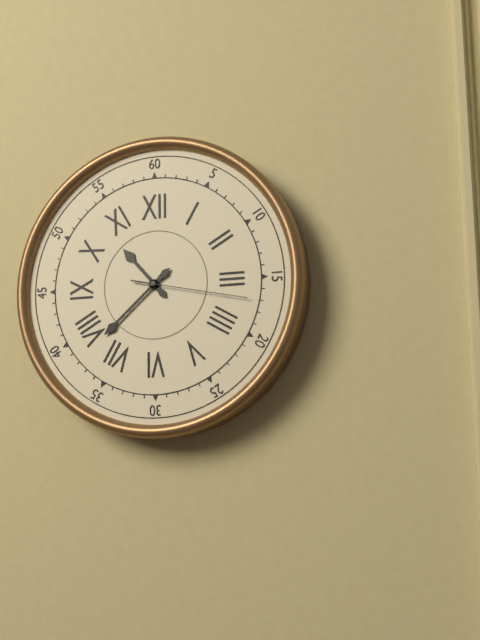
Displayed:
10:38:17
